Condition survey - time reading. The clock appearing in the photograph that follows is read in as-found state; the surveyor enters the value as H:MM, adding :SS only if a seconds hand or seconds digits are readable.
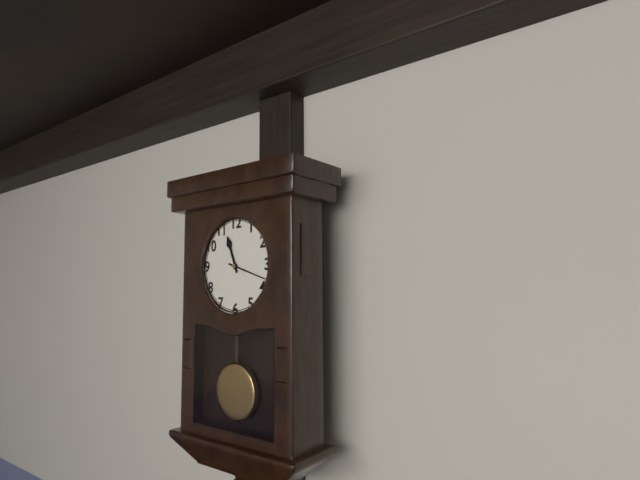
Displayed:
11:18
